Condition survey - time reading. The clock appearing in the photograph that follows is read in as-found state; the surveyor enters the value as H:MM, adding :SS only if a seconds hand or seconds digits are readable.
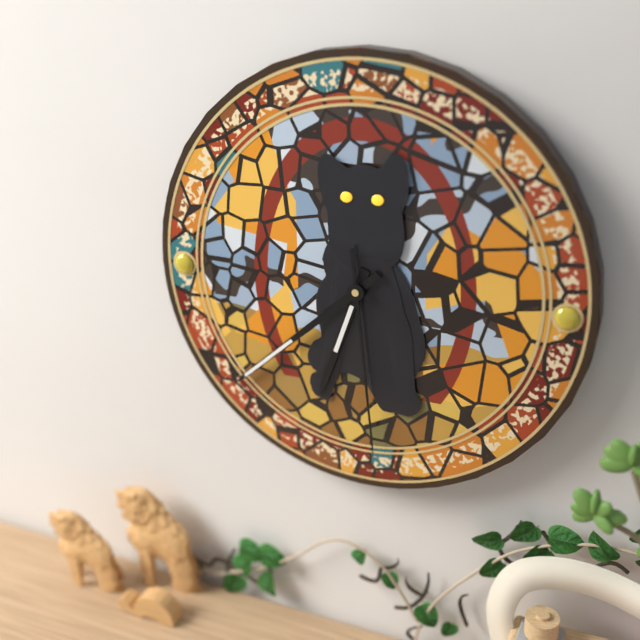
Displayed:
6:38:29
